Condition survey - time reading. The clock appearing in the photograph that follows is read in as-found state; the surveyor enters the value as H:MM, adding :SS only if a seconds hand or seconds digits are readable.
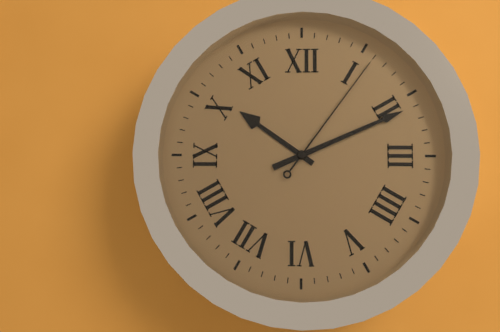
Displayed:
10:11:06
